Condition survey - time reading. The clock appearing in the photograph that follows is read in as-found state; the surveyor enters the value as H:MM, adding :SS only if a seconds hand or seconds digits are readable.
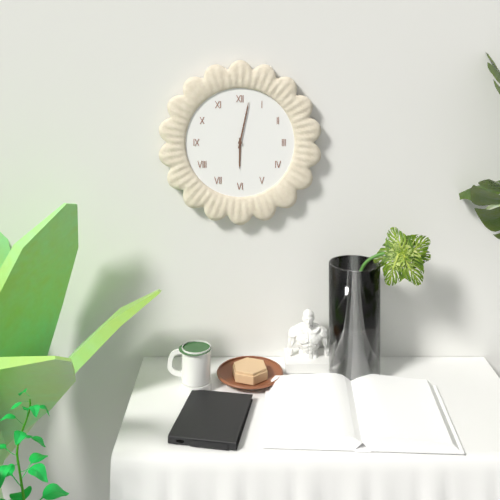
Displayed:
6:02
